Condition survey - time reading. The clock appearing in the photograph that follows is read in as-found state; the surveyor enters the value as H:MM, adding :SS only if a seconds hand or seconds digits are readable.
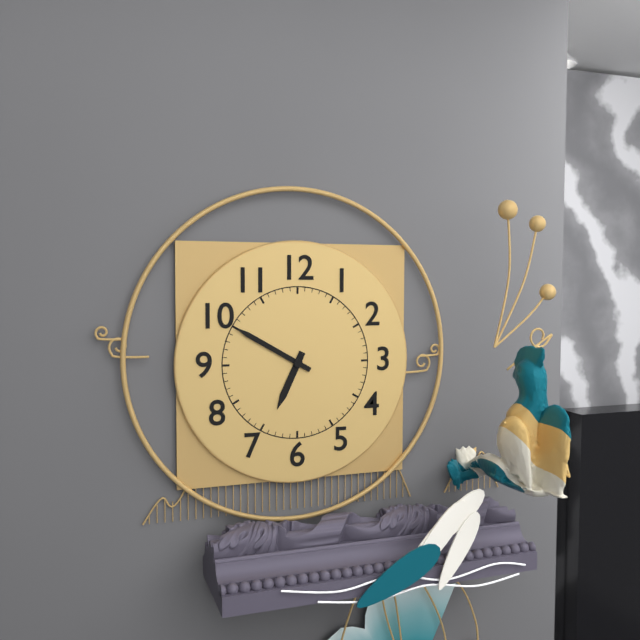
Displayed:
6:50
